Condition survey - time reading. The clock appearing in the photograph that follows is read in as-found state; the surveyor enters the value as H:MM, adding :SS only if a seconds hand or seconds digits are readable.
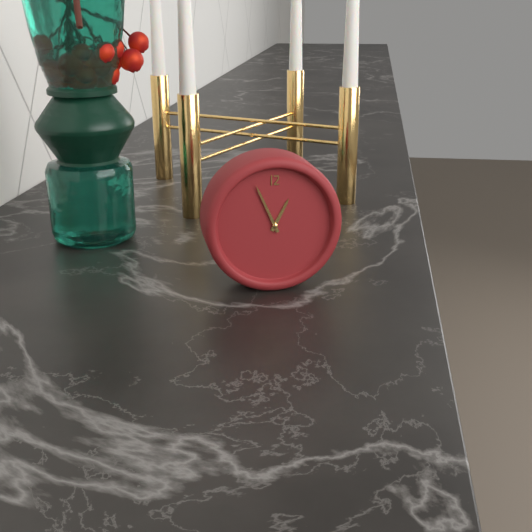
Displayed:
12:56
